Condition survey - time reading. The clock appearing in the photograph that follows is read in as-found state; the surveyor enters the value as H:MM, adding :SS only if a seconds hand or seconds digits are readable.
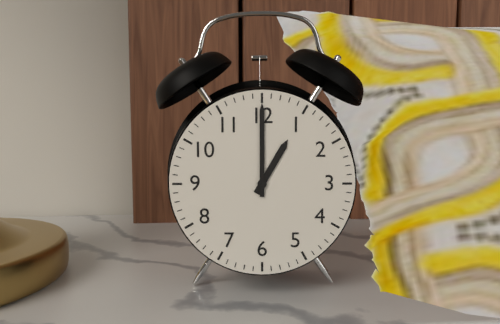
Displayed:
1:00
